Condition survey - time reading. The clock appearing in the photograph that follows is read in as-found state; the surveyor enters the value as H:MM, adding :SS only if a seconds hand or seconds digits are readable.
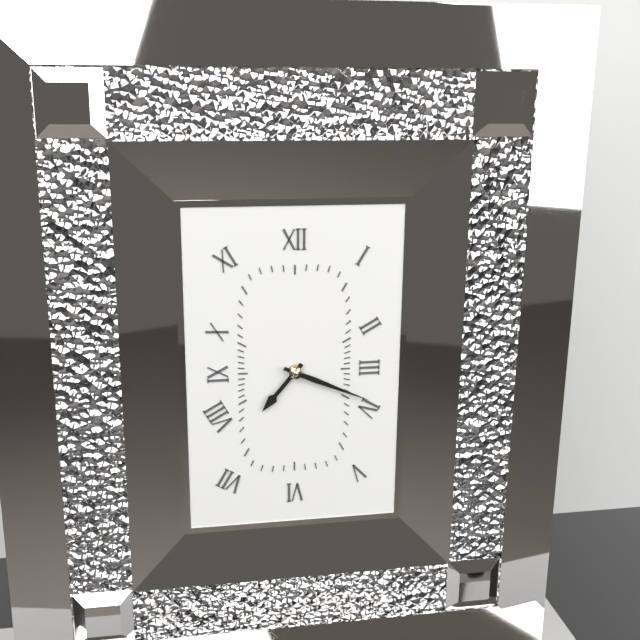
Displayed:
7:19
